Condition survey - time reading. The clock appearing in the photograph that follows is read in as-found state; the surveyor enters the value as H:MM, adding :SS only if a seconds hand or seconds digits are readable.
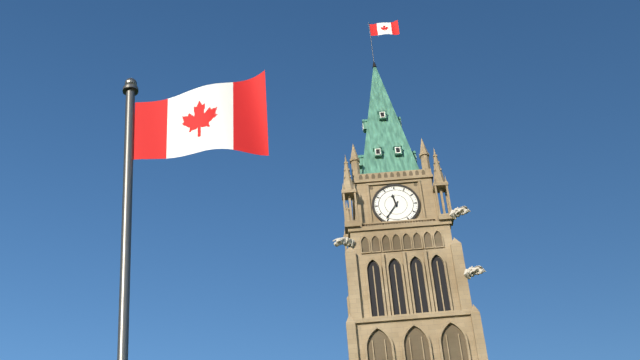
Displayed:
11:36
